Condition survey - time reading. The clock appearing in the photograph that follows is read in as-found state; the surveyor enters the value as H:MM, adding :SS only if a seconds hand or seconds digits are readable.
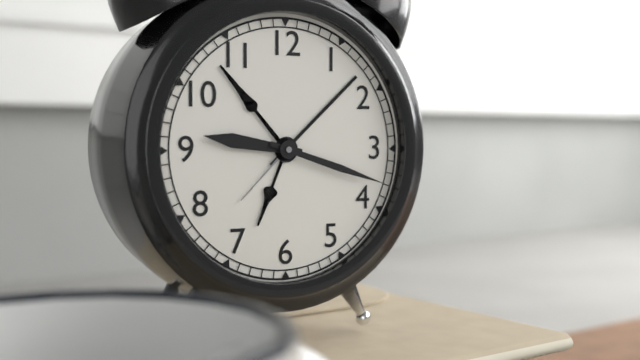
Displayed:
9:18
